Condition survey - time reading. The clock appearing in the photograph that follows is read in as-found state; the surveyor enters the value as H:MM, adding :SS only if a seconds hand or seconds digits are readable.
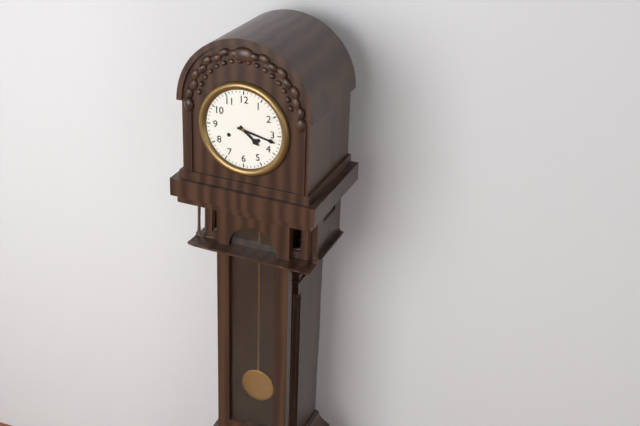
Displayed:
4:17
